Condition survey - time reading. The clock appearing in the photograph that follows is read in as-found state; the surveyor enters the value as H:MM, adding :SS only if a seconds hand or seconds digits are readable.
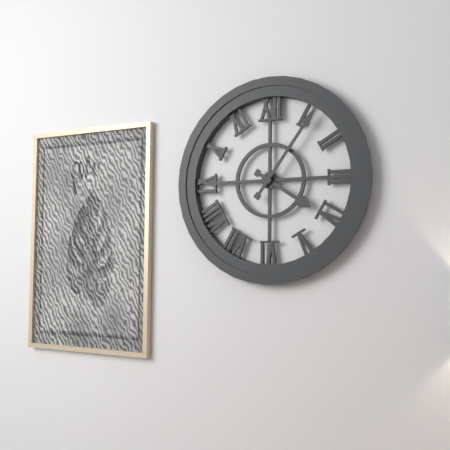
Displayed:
4:06
